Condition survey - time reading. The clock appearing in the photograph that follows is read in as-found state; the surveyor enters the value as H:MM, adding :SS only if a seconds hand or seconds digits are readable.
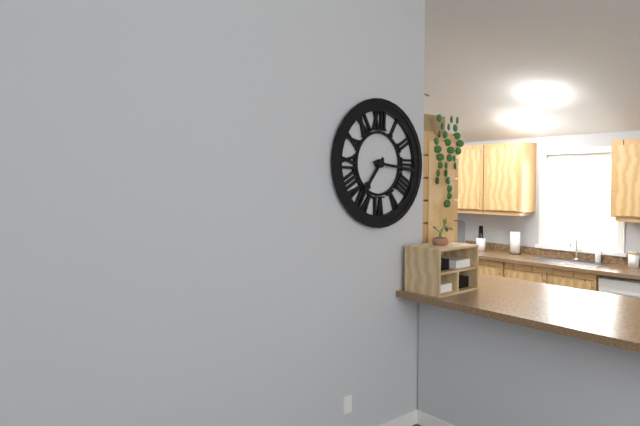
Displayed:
7:16
